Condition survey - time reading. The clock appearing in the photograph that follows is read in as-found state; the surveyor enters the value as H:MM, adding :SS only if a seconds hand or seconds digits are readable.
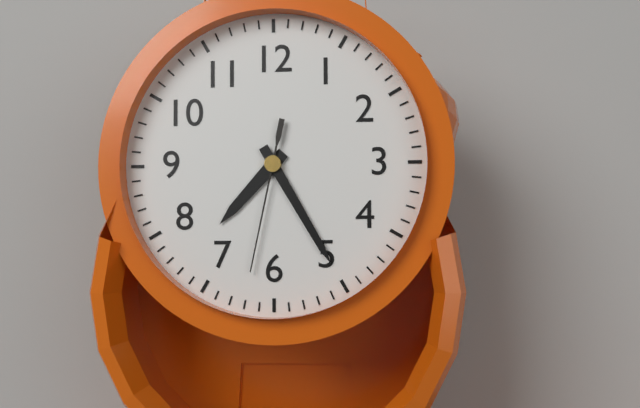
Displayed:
7:25:32
